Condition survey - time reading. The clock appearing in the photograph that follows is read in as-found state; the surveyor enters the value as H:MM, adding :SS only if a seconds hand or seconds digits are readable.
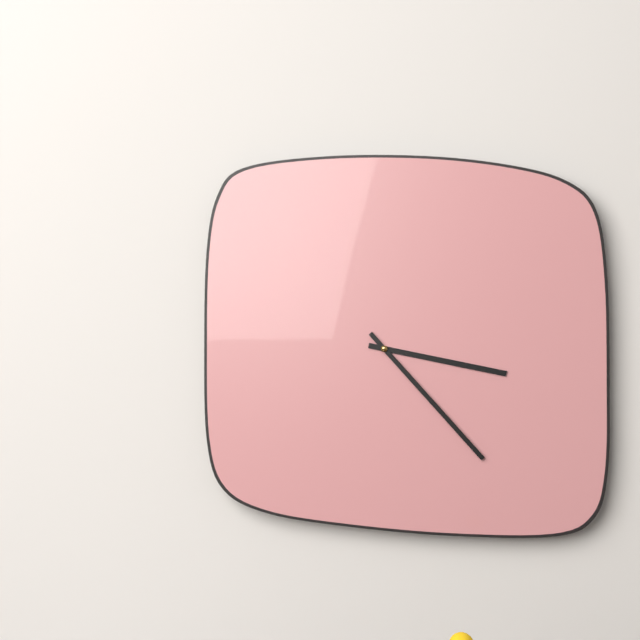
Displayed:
3:23
